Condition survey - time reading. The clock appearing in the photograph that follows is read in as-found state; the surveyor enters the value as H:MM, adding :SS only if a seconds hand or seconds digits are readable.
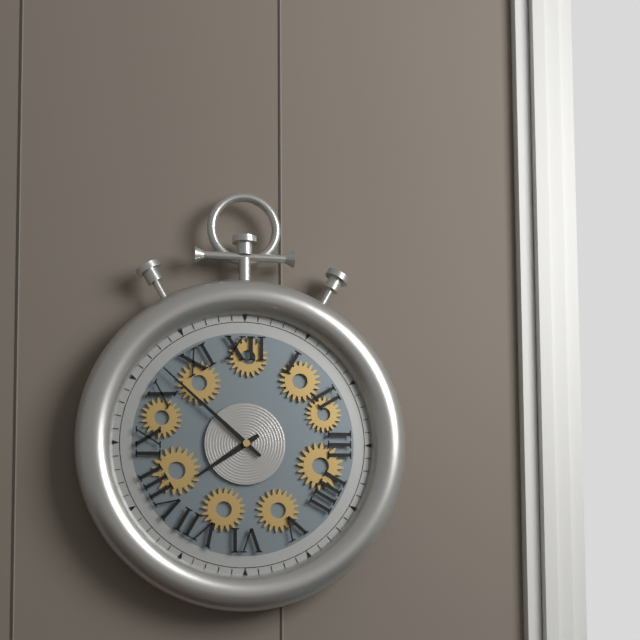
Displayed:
7:52
